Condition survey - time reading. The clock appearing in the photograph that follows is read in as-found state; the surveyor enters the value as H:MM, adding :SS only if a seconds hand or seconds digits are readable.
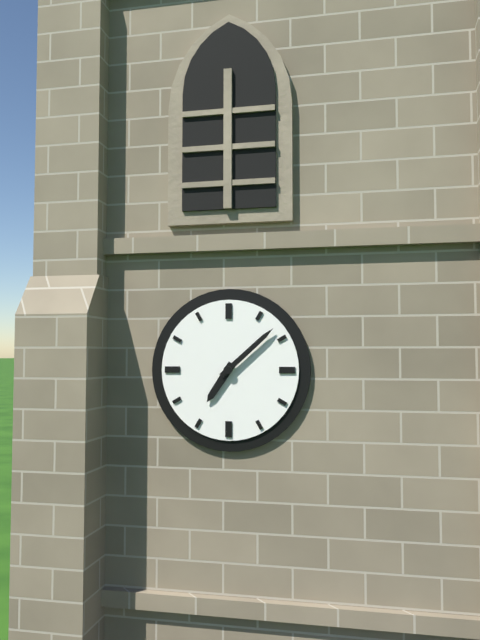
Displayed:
7:08
